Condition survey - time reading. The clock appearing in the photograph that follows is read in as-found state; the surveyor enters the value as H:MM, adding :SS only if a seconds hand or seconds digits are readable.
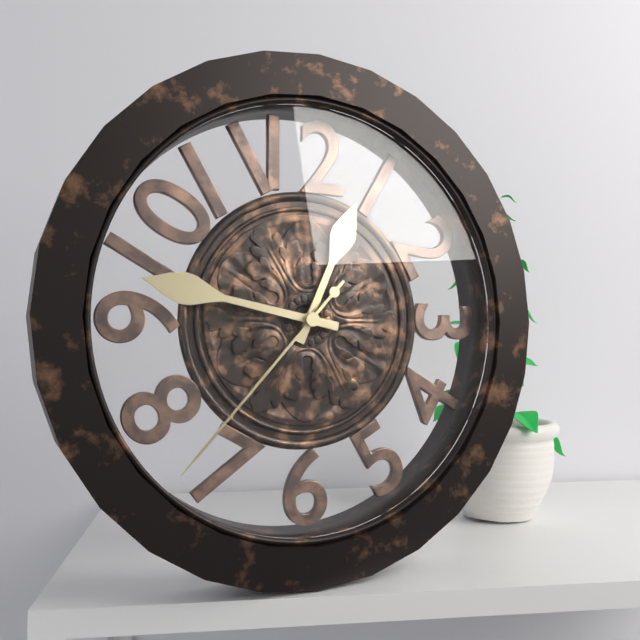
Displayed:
12:47:37
